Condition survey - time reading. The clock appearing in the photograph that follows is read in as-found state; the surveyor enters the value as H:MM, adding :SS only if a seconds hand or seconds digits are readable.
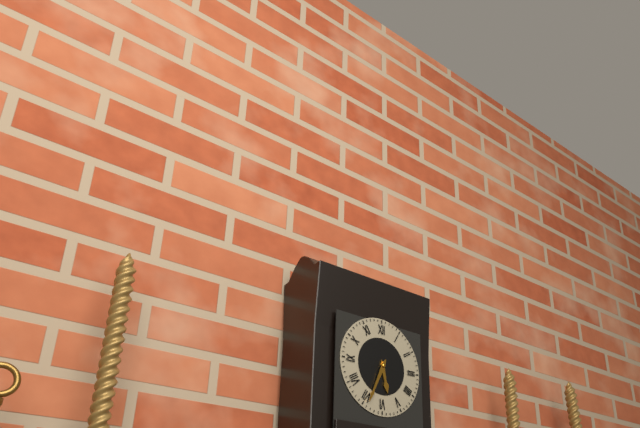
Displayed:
5:34
